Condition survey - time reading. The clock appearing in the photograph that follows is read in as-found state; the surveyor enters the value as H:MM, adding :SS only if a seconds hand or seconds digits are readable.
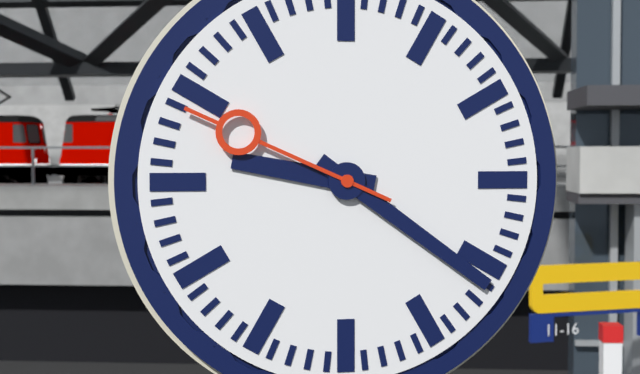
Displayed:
9:21:49
